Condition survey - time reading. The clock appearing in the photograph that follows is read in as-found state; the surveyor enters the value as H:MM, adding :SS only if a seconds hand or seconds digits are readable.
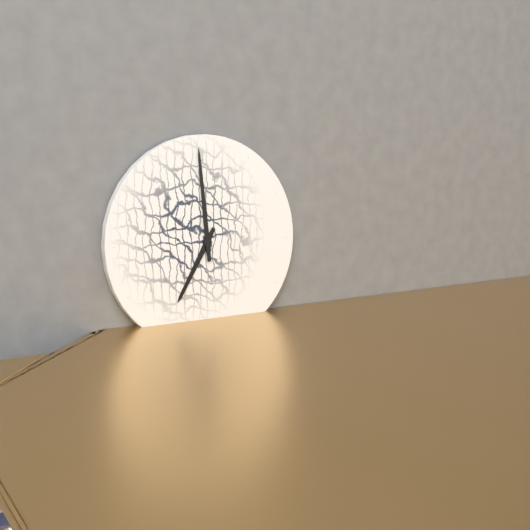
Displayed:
6:59
